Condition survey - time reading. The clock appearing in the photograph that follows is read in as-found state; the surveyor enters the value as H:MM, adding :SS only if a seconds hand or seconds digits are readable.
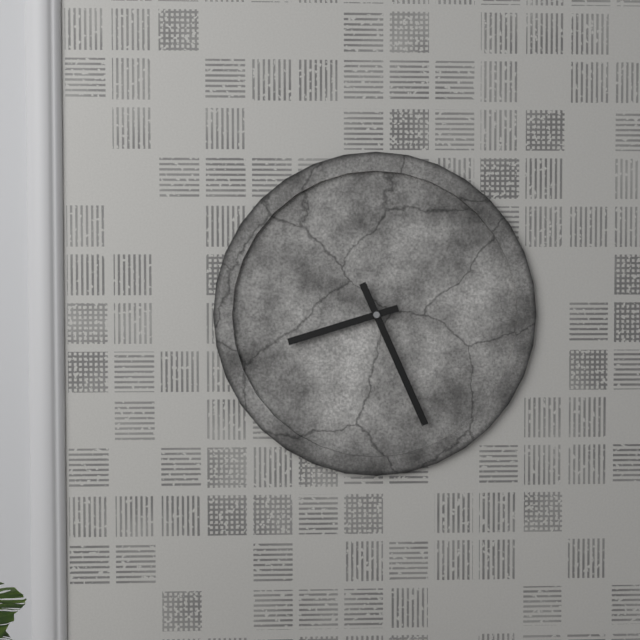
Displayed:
8:26
